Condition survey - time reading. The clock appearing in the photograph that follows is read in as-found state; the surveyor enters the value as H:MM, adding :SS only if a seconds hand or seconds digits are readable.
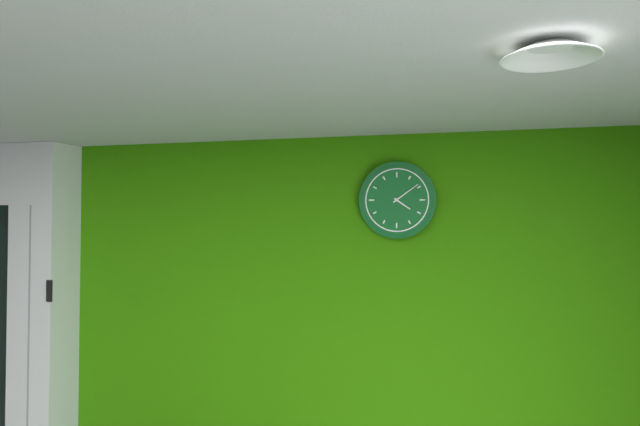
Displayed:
4:09
